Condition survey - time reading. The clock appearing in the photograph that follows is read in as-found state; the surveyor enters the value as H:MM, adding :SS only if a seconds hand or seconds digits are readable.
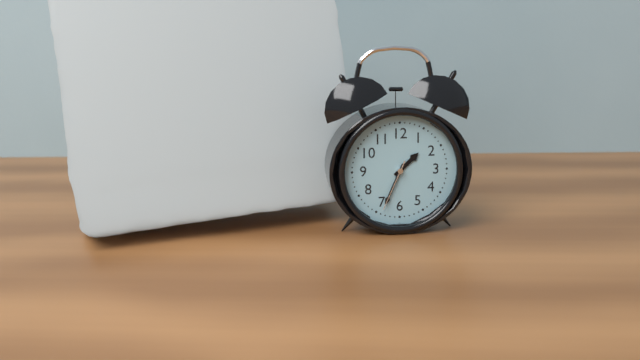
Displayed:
1:34:34
